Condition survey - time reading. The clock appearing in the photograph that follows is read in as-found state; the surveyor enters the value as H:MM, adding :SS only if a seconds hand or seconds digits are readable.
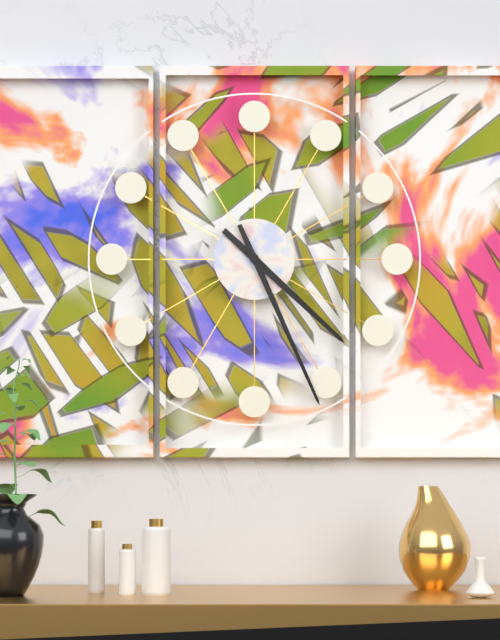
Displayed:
4:26
